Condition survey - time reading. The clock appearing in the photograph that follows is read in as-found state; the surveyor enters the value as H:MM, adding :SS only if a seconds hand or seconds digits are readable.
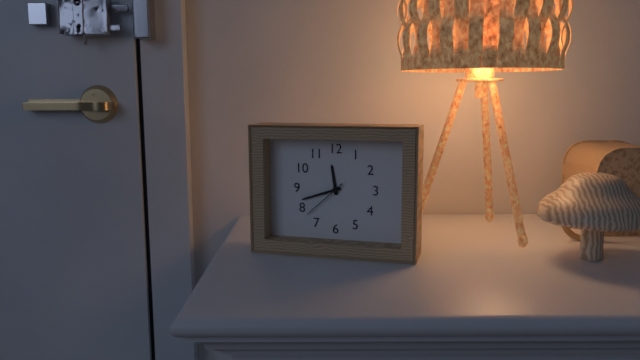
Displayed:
11:42
